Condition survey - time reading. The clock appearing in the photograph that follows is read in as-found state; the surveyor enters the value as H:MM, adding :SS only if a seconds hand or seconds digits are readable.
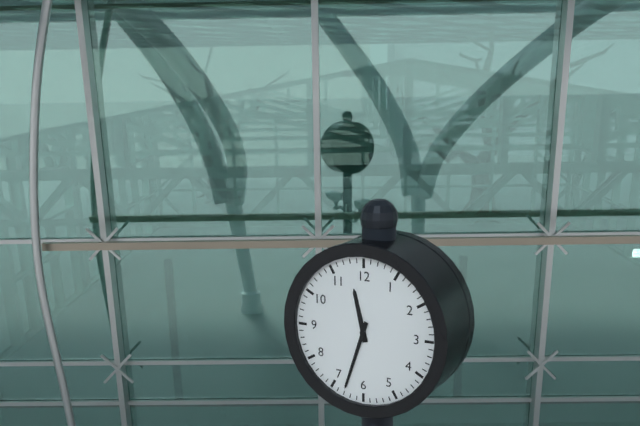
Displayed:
11:33
